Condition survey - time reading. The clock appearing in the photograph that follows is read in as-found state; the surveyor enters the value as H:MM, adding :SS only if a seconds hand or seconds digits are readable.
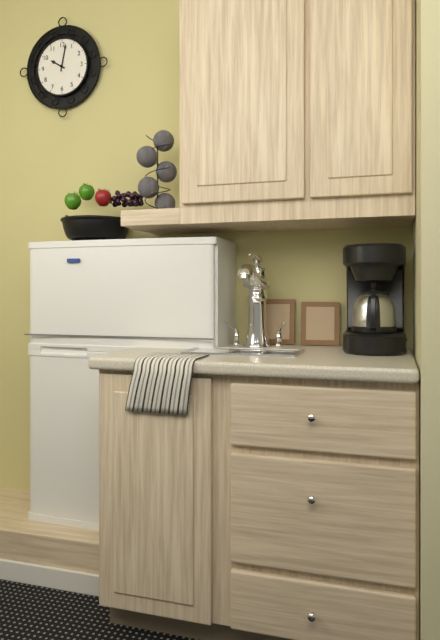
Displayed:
10:02
